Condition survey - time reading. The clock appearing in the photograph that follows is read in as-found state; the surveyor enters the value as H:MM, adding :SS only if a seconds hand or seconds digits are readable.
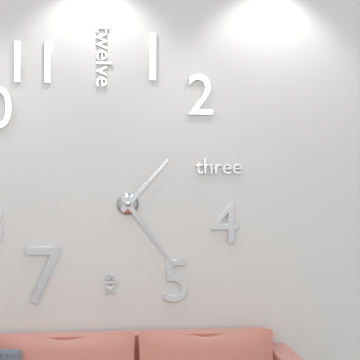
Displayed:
1:24
